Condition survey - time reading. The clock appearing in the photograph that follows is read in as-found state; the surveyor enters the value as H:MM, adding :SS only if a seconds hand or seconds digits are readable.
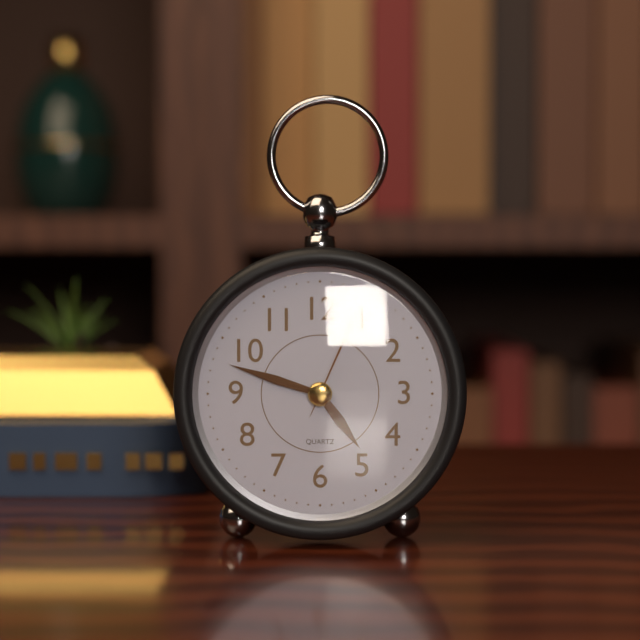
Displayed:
4:48:04
